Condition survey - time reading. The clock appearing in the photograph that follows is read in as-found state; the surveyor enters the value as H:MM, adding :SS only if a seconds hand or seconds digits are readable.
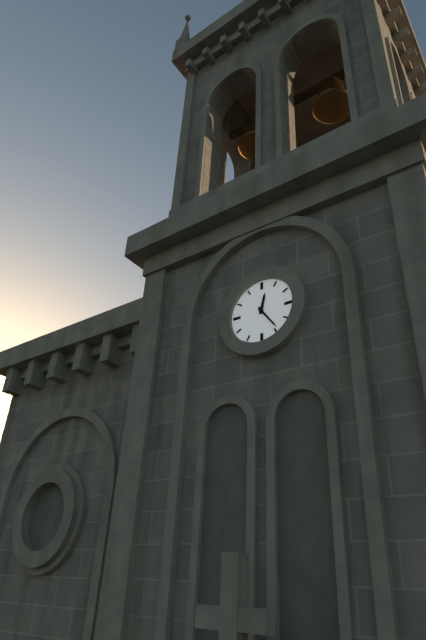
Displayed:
12:24
